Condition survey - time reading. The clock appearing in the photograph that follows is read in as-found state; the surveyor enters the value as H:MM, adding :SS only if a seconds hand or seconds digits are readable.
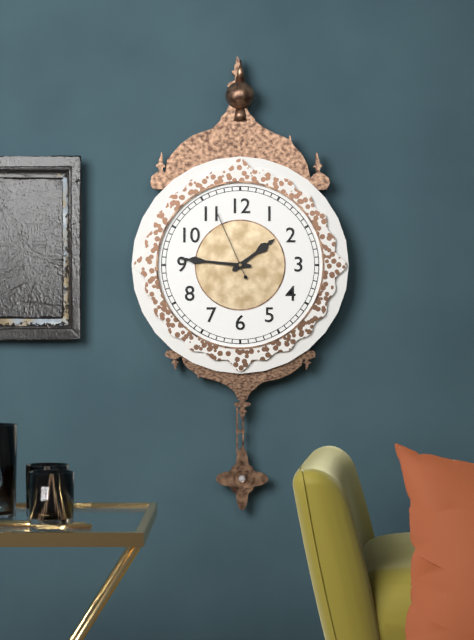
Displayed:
1:46:56
